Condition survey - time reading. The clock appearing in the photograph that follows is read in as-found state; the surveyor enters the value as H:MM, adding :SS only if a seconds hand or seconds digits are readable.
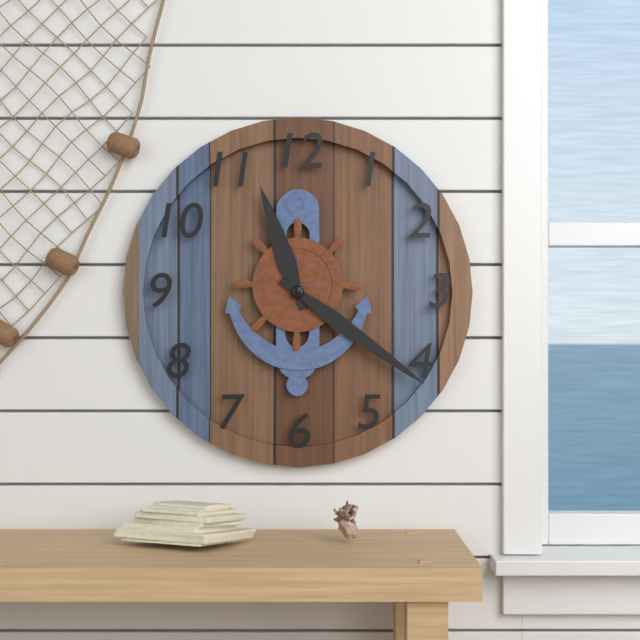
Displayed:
11:21
